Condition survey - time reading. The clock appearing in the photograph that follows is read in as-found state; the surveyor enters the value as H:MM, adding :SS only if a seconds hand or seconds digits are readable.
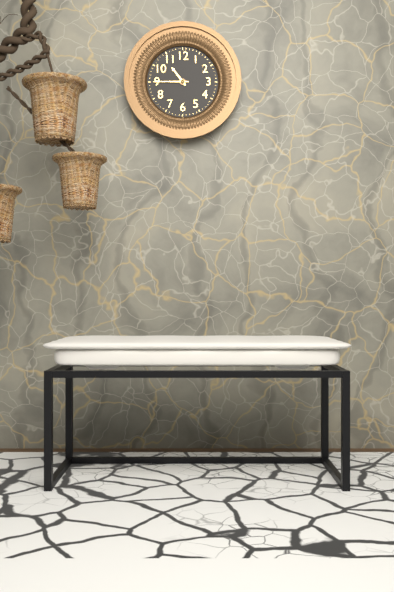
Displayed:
10:45
